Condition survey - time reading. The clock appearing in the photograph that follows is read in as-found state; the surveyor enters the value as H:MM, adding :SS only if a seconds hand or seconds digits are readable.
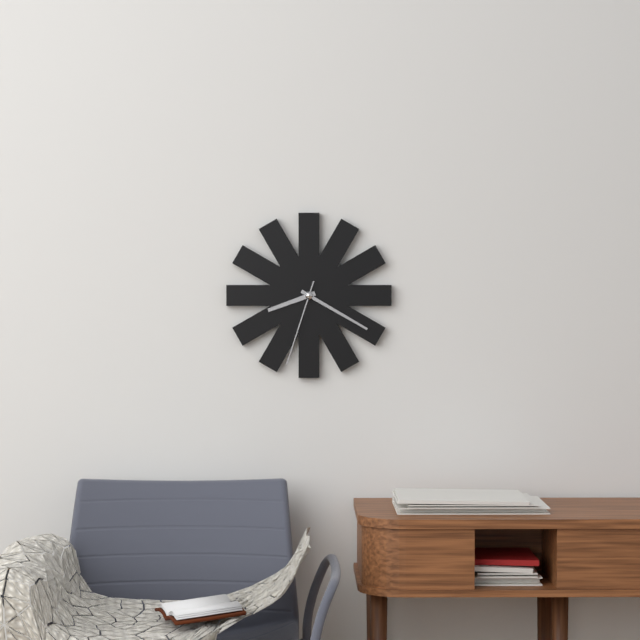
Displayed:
8:20:33
